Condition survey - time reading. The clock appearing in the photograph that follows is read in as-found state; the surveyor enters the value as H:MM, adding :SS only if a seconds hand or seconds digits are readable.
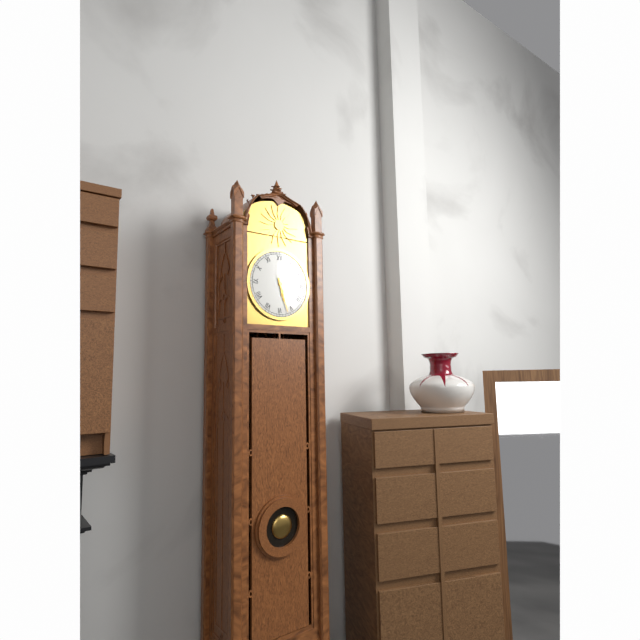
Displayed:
5:27
